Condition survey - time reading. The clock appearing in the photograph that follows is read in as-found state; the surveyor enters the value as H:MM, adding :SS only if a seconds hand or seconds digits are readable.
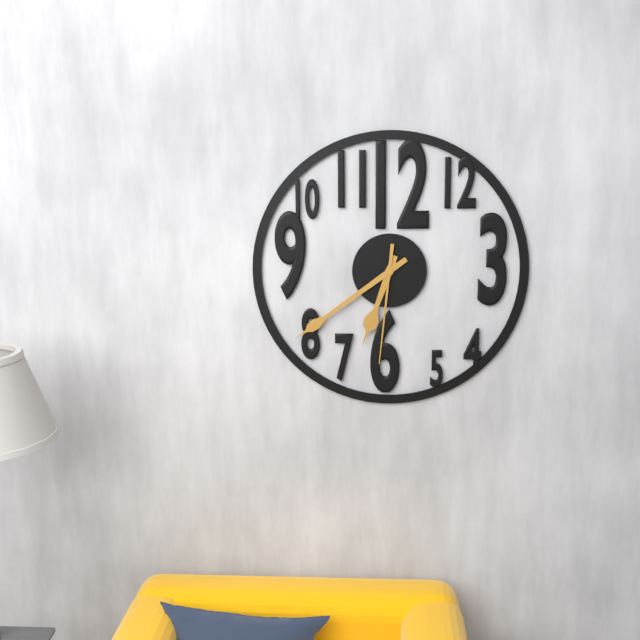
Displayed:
6:39:31
